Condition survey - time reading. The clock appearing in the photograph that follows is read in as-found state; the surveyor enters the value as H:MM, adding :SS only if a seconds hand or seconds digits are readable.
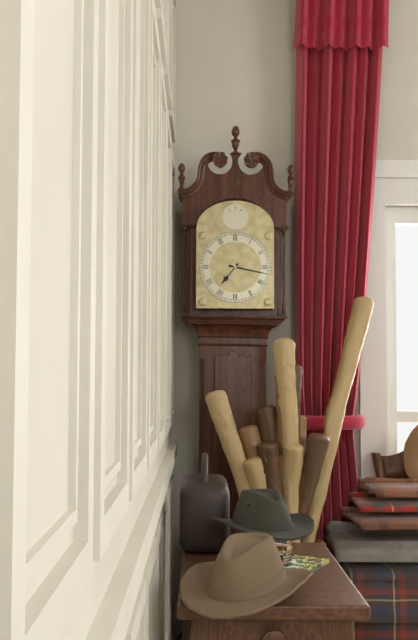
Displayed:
7:17
